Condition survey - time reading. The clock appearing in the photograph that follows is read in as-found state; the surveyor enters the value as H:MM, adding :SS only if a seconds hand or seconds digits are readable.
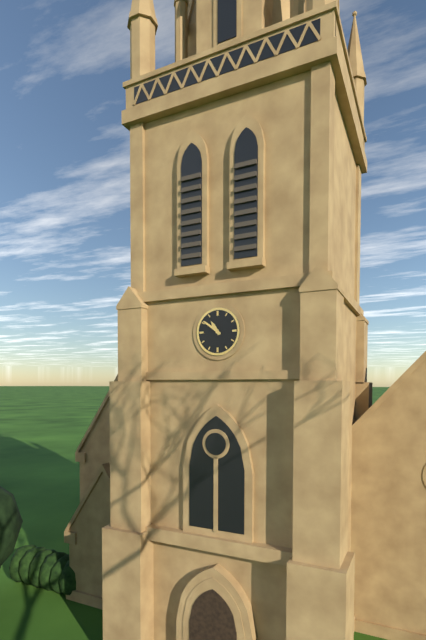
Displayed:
10:51
